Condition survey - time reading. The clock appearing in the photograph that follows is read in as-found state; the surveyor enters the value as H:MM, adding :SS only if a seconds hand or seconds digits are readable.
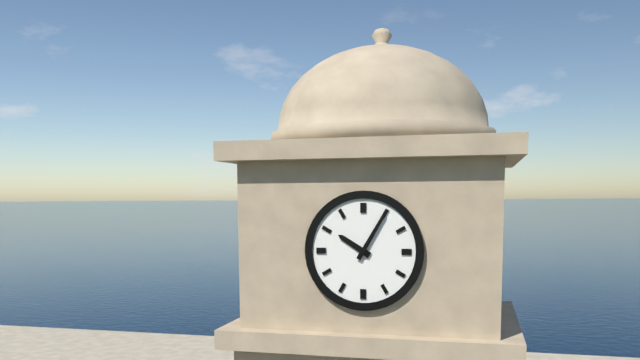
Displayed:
10:05
